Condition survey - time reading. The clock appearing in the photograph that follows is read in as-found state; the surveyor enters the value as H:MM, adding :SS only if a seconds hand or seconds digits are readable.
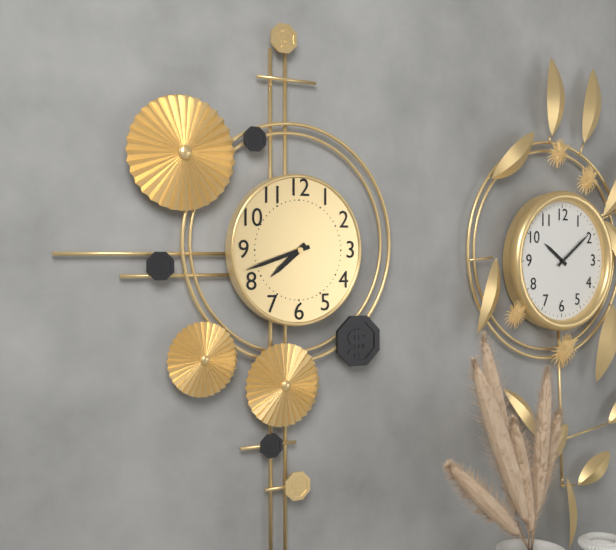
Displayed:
7:42
